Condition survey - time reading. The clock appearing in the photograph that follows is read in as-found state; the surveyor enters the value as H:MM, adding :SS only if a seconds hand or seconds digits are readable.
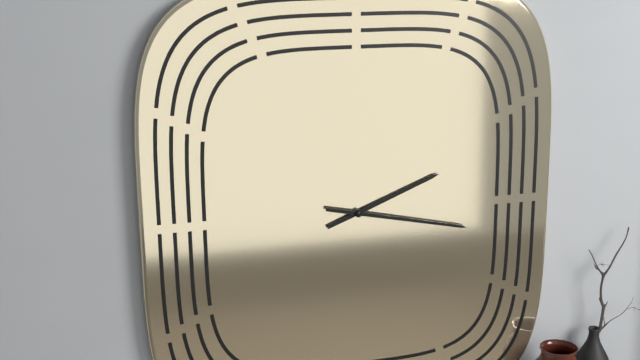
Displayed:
2:17
